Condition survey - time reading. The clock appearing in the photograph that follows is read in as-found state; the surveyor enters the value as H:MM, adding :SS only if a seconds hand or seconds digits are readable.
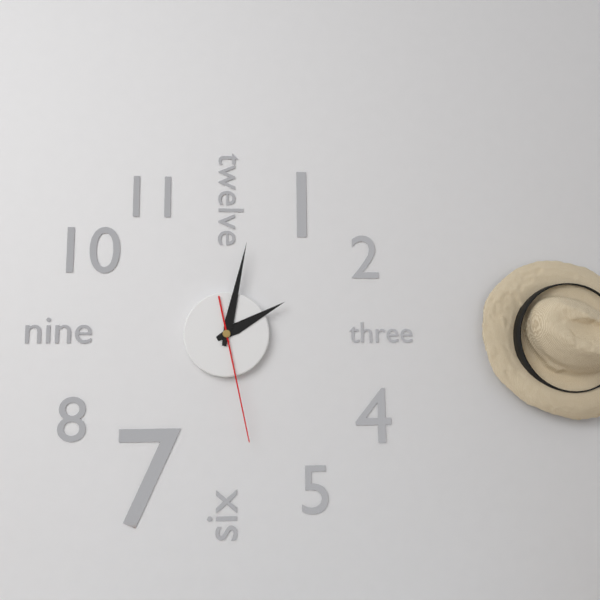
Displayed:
2:02:28
